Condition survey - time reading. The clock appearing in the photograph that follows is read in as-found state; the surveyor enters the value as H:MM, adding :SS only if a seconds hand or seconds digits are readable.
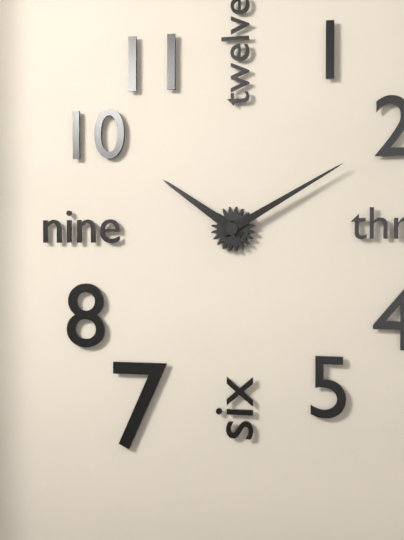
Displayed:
10:10
